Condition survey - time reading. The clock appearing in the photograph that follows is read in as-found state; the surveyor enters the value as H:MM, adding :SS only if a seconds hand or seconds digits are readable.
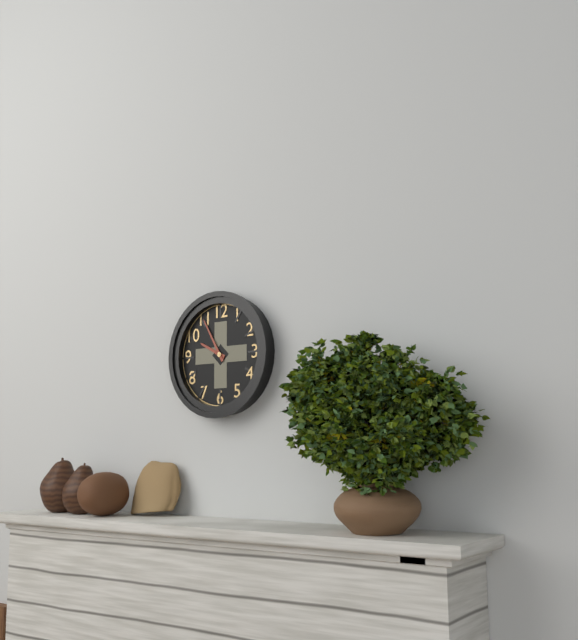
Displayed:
9:55
